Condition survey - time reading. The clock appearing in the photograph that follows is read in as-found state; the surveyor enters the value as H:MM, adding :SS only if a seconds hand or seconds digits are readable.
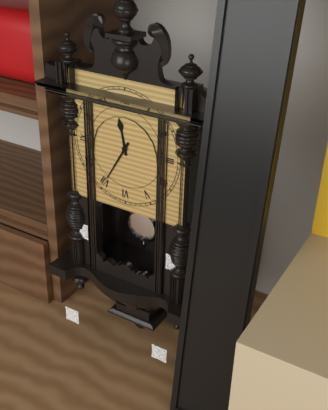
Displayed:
11:35
